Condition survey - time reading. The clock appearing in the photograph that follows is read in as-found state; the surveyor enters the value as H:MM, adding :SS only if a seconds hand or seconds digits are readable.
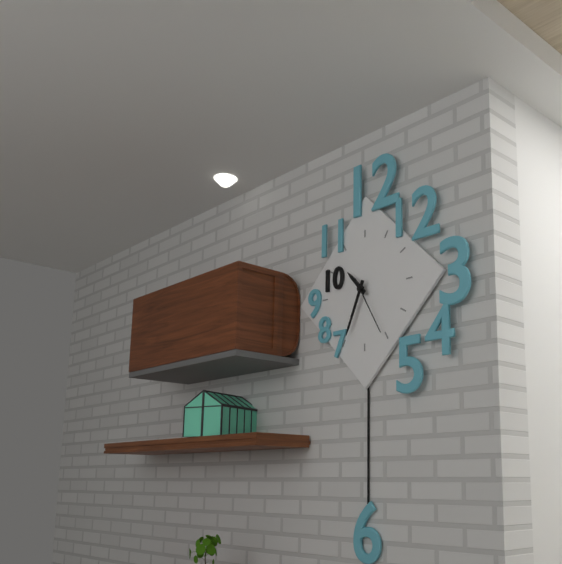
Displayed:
10:34:25
